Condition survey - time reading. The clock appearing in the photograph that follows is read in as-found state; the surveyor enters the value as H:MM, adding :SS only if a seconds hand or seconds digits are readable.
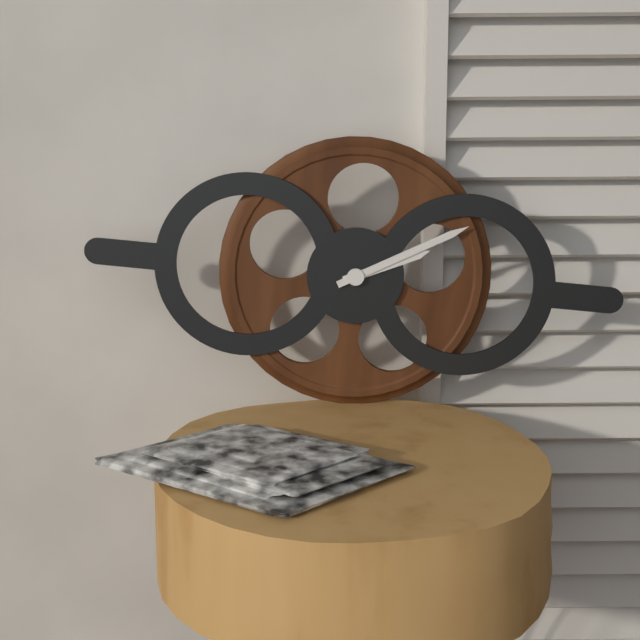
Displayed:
2:10
